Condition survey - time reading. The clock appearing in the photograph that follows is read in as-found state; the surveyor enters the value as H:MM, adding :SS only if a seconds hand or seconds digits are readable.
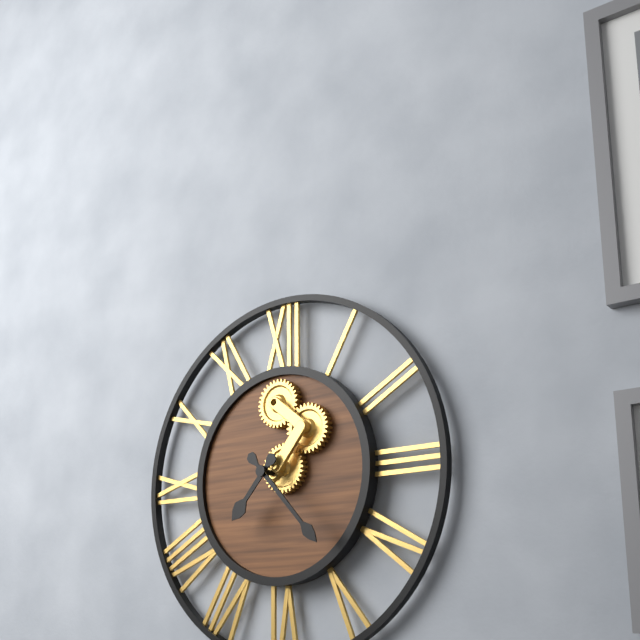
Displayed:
7:23
